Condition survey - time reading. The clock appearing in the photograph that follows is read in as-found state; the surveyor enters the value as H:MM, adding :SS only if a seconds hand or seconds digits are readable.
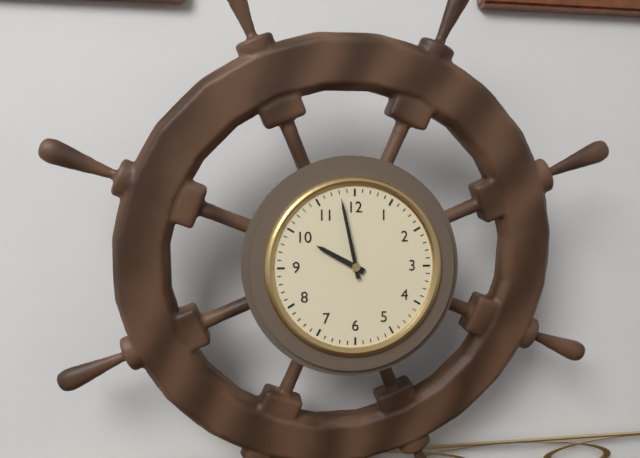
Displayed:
9:58
